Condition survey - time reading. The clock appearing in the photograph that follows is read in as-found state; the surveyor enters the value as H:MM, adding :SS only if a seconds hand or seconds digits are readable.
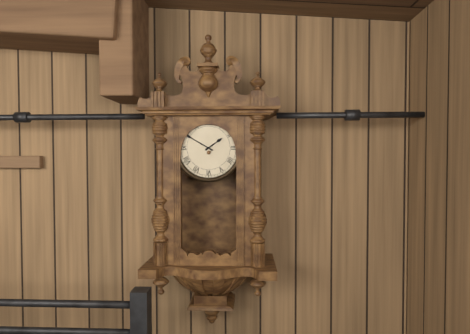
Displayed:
1:50
